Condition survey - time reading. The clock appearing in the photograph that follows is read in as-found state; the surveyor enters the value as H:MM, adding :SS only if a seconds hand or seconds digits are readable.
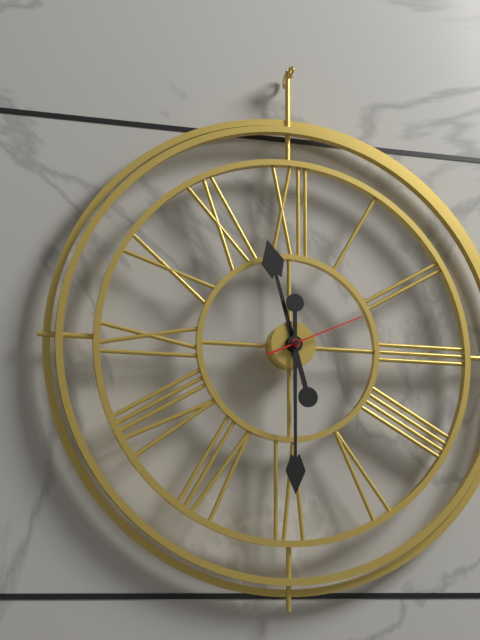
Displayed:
11:30:11
